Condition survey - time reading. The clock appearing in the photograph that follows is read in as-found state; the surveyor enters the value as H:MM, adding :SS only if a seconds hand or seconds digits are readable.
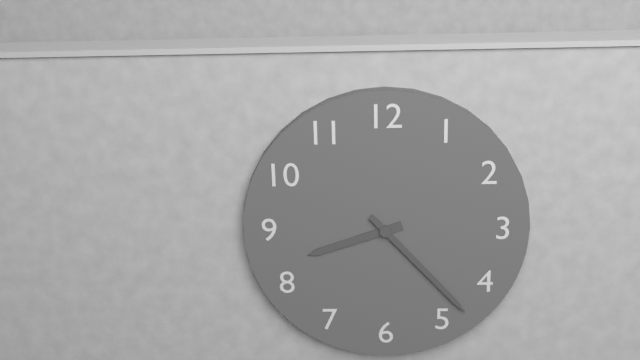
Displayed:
8:23
